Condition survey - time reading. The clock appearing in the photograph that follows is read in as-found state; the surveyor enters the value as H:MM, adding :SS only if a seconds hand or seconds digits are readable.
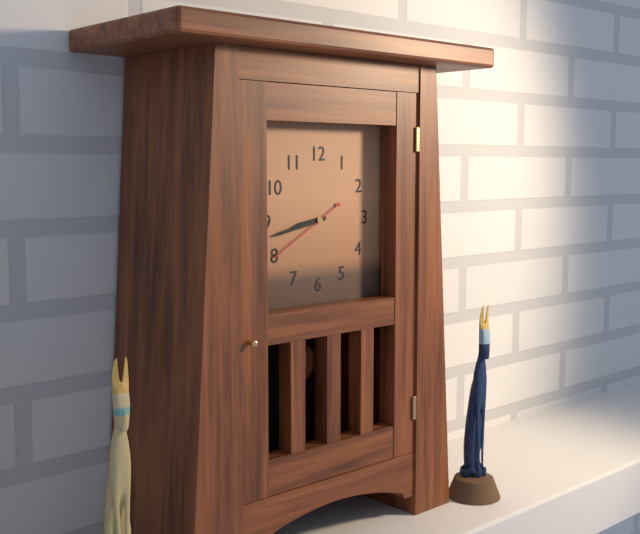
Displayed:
8:43:40
